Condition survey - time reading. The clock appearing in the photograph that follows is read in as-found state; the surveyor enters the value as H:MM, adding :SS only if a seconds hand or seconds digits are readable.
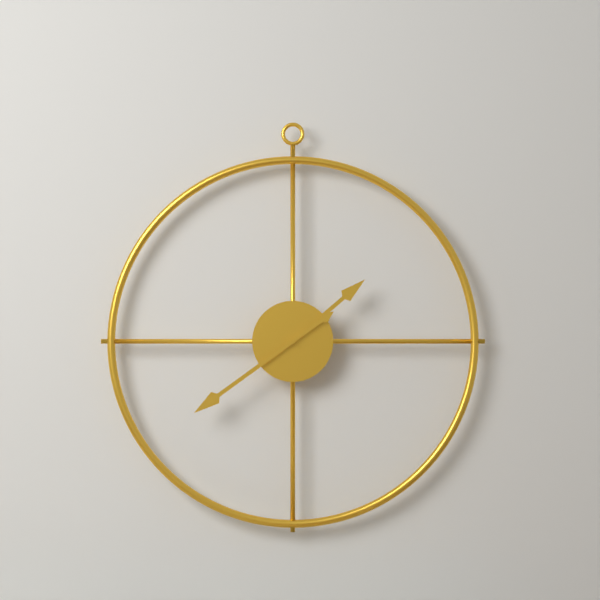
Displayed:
1:39
